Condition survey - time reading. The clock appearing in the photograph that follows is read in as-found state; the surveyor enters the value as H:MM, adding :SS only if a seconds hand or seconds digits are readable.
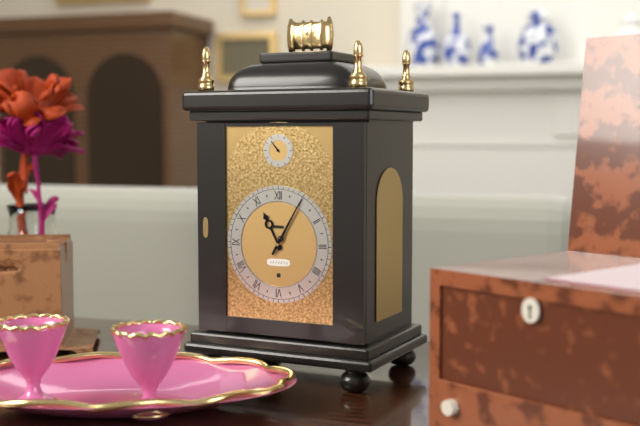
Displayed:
11:05
